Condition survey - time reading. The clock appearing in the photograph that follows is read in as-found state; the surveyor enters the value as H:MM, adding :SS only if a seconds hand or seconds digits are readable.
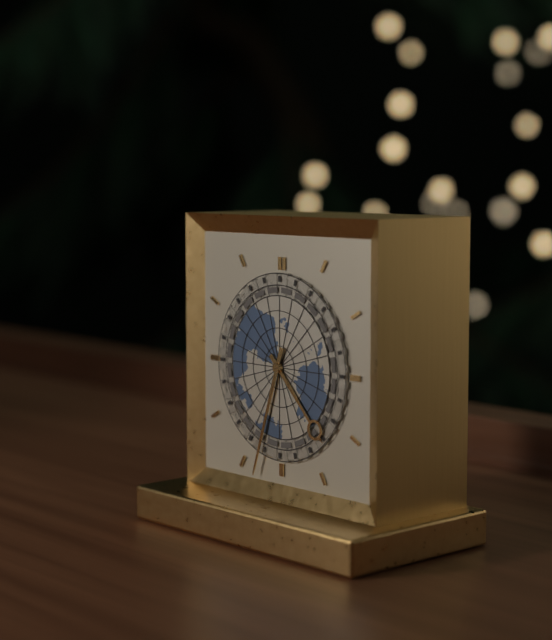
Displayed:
4:33
